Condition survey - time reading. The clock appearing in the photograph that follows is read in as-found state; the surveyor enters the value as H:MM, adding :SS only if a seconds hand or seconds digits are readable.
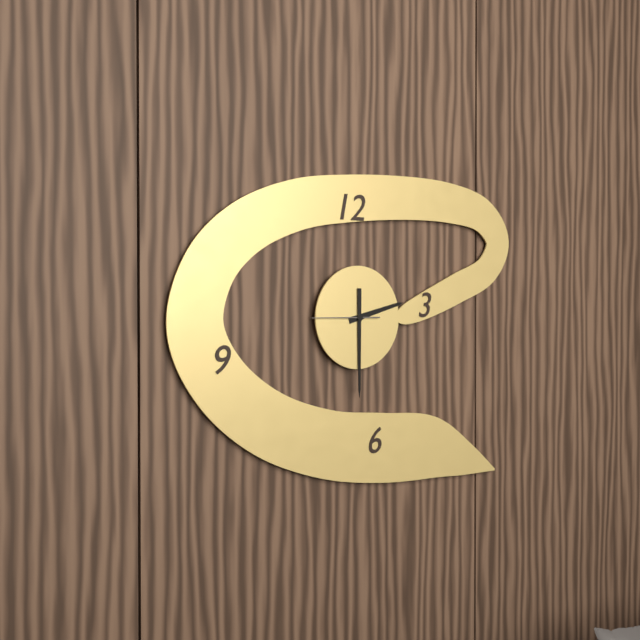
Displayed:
2:30:45
